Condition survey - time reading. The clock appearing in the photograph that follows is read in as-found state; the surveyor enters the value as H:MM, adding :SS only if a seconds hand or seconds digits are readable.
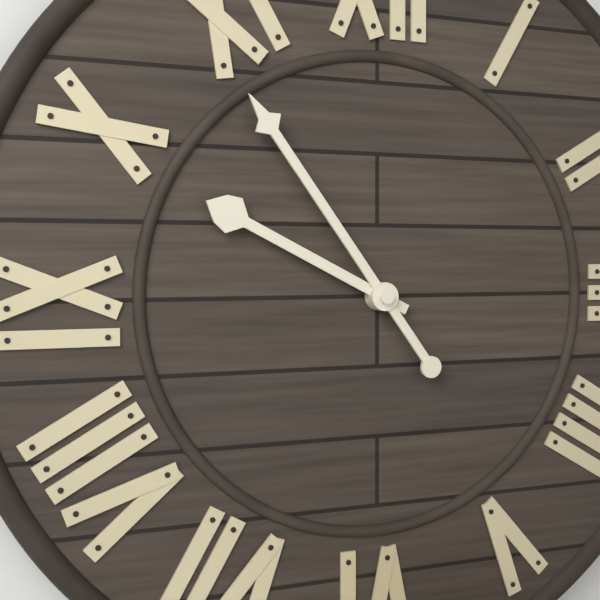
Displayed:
9:54
